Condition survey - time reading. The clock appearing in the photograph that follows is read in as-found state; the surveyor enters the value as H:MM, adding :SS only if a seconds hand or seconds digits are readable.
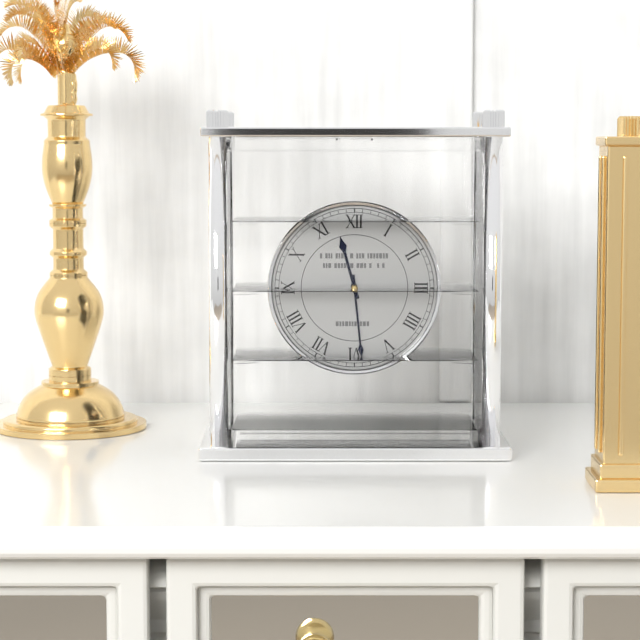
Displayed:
11:29
